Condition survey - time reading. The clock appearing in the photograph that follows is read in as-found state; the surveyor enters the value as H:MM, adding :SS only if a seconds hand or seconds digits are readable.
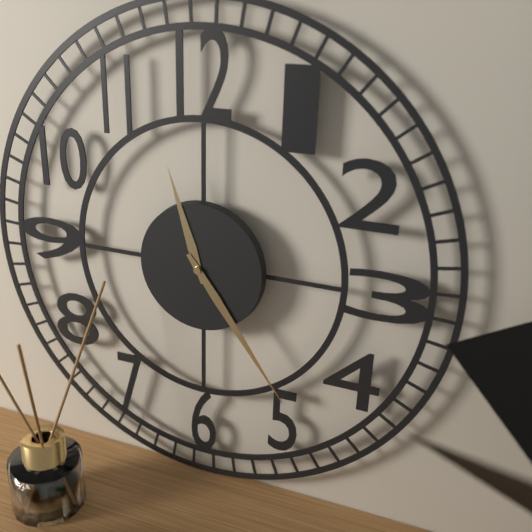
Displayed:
11:24
